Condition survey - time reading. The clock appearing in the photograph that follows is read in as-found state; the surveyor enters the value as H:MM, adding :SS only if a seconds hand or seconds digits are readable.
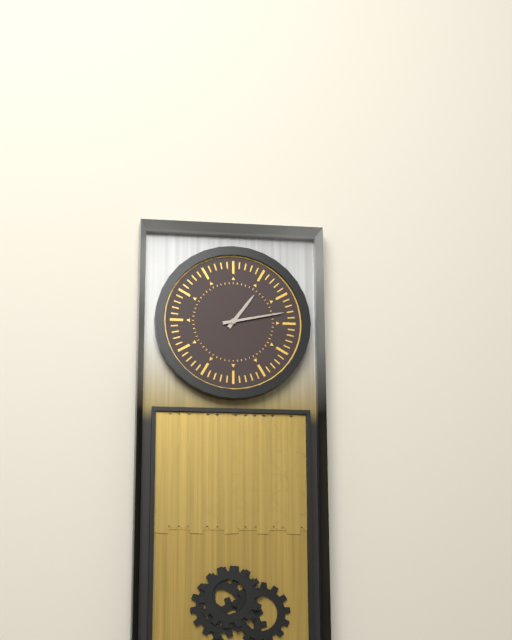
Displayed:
1:13
